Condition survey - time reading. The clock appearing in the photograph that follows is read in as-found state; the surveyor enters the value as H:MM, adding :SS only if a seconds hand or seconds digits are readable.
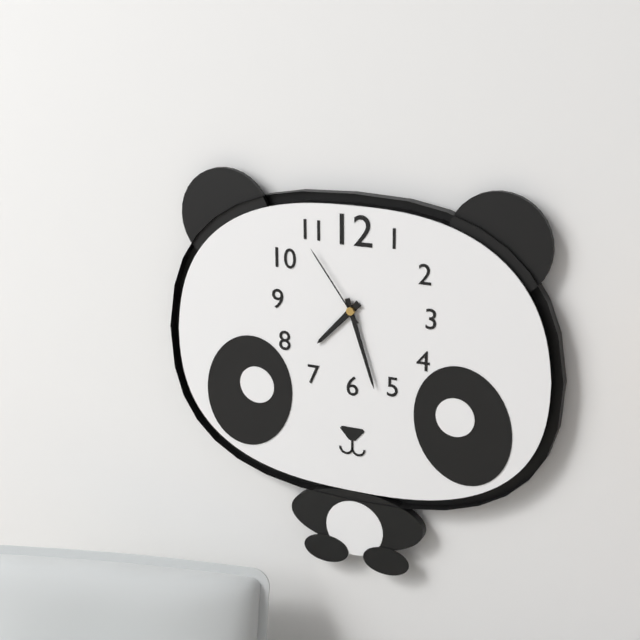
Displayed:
7:27:54
